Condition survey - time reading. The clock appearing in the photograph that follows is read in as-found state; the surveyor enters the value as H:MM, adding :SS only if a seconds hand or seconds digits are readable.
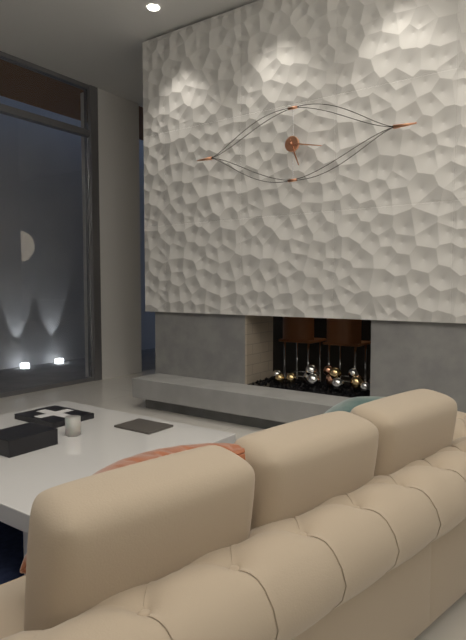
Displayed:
5:17
